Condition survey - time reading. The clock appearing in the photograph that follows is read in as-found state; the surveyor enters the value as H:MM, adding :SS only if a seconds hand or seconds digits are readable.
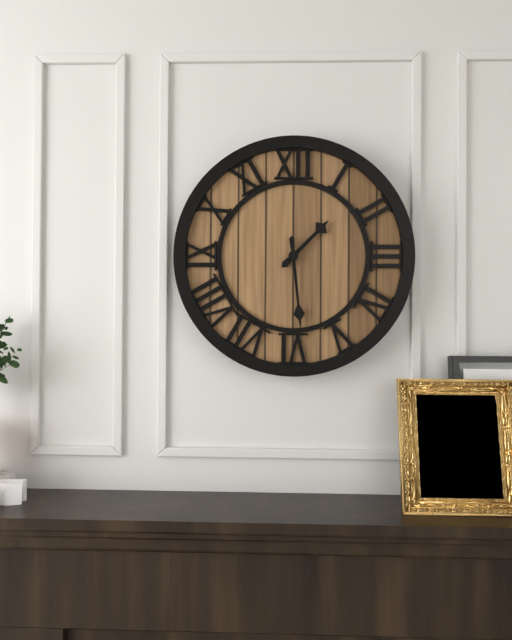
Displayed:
1:29
